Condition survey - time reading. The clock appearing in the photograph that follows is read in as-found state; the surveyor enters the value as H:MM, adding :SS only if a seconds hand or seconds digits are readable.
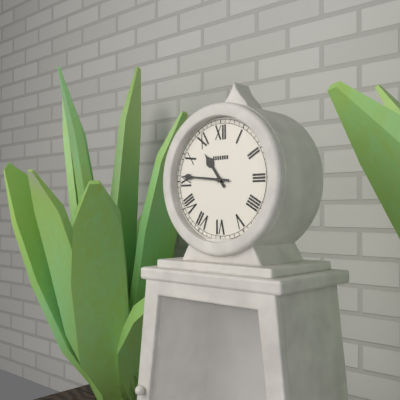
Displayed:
10:46
